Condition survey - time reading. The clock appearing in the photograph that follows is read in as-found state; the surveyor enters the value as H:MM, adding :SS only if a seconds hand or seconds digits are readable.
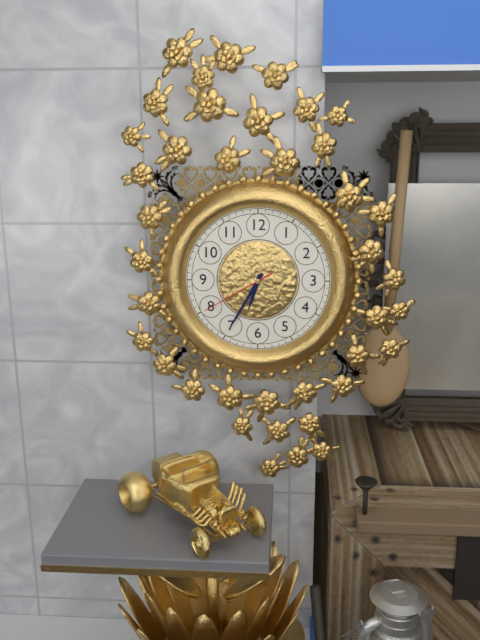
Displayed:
6:35:40
